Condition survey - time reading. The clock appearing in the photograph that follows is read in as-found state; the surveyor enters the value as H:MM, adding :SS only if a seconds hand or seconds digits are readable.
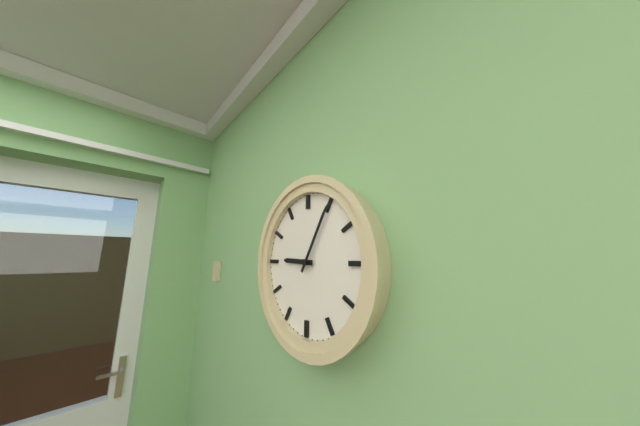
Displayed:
9:05
